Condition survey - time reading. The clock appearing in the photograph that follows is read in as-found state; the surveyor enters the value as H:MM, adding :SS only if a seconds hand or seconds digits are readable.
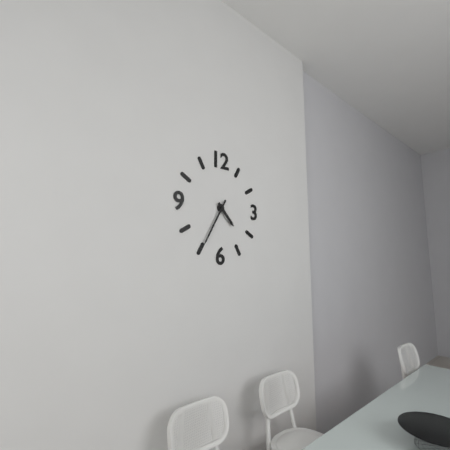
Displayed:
4:35
